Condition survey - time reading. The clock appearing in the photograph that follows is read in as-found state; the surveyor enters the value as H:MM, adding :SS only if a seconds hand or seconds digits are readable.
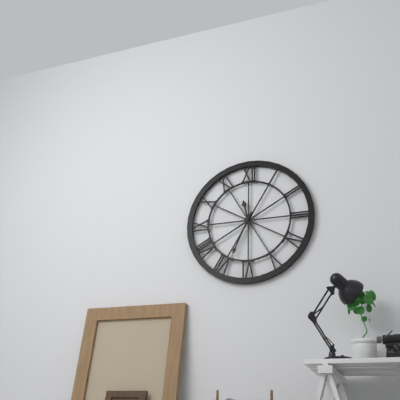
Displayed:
11:34
